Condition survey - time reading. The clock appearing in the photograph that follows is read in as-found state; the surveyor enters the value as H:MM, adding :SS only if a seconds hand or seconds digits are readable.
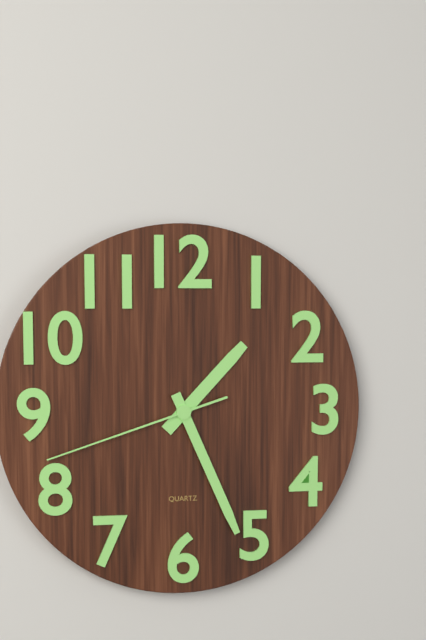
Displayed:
1:26:42
